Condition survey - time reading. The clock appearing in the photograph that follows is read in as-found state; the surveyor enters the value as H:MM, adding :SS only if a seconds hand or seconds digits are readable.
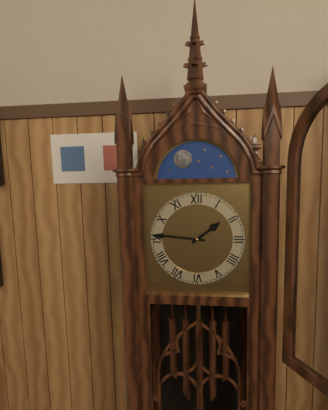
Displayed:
1:46
